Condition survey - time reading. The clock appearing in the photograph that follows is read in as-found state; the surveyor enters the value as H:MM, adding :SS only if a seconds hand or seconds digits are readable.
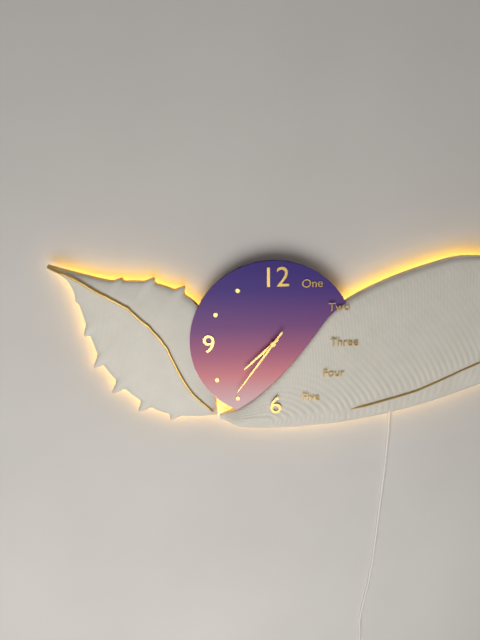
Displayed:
7:36
